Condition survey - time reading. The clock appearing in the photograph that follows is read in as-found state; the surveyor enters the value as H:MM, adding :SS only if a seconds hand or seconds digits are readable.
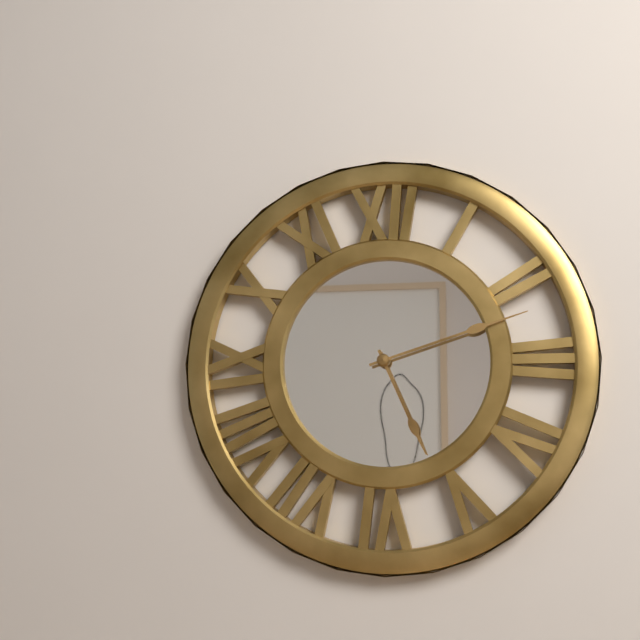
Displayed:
5:12
